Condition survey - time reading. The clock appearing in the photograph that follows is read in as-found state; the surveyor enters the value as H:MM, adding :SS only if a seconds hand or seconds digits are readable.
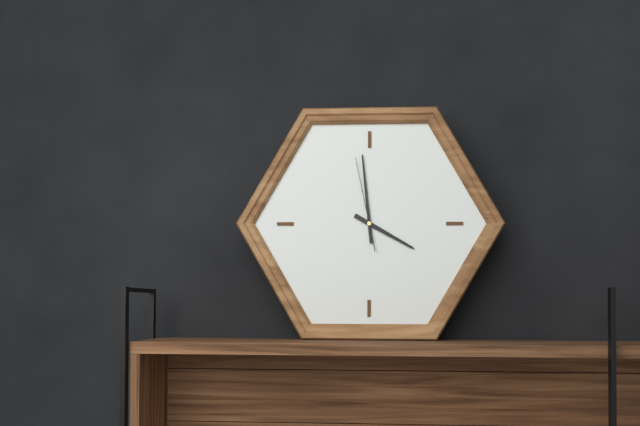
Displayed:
3:59:58
